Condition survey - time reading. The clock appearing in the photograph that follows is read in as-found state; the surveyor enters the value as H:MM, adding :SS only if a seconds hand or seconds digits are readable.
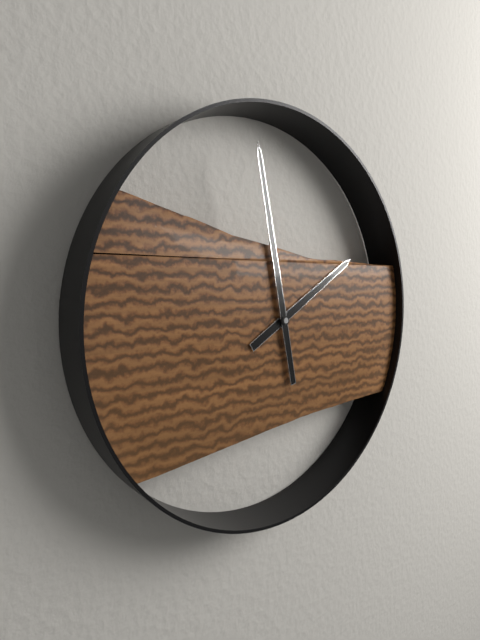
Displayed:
1:58
